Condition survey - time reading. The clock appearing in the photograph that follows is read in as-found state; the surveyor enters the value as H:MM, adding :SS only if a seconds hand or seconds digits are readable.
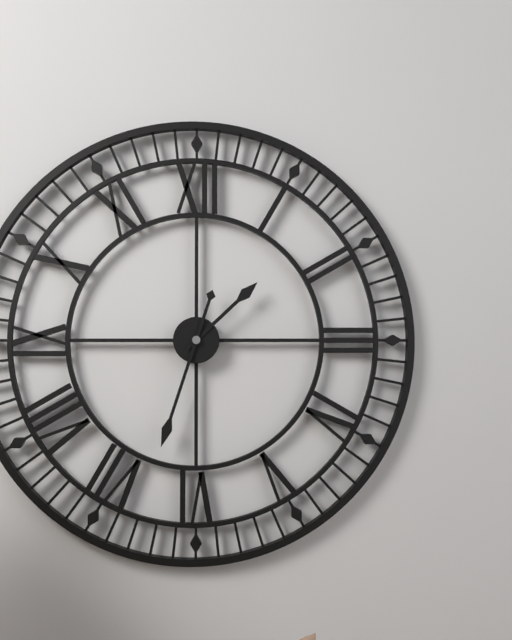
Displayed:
1:33
